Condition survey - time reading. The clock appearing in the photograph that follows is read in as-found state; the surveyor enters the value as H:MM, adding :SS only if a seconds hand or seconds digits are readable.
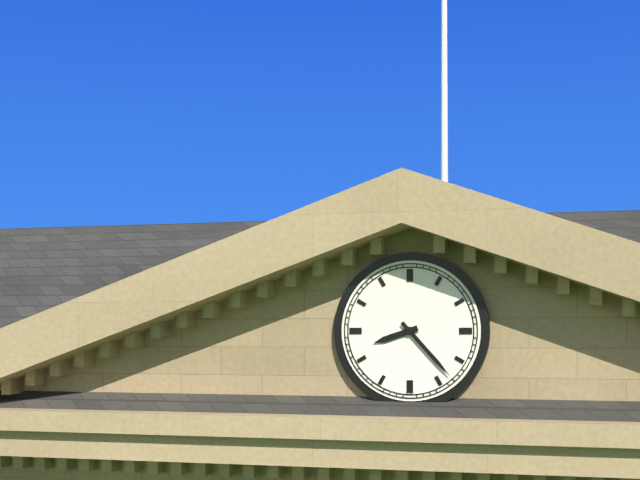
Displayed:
8:23
